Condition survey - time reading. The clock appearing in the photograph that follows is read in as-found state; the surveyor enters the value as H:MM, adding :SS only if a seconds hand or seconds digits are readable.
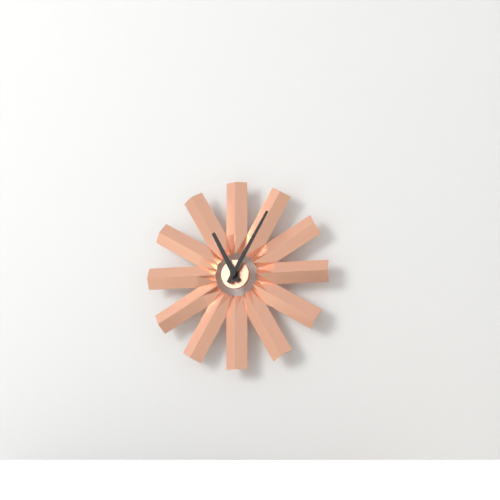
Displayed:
11:05
